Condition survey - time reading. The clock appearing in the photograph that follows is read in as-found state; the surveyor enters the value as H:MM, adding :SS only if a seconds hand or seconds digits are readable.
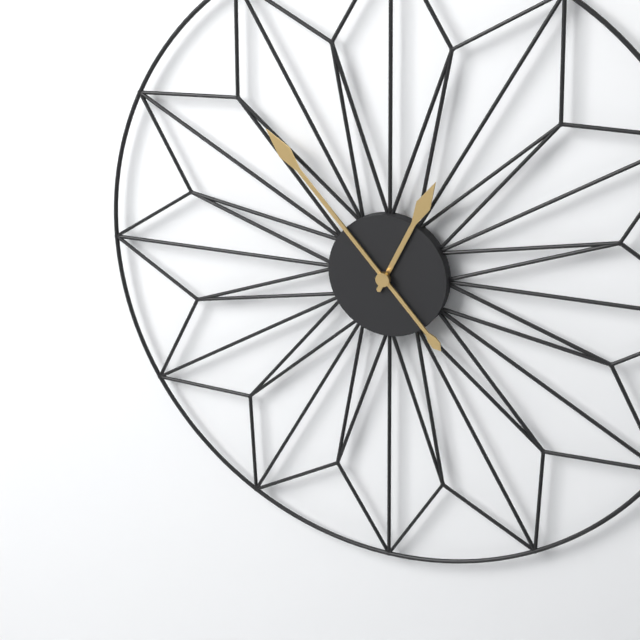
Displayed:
12:53
